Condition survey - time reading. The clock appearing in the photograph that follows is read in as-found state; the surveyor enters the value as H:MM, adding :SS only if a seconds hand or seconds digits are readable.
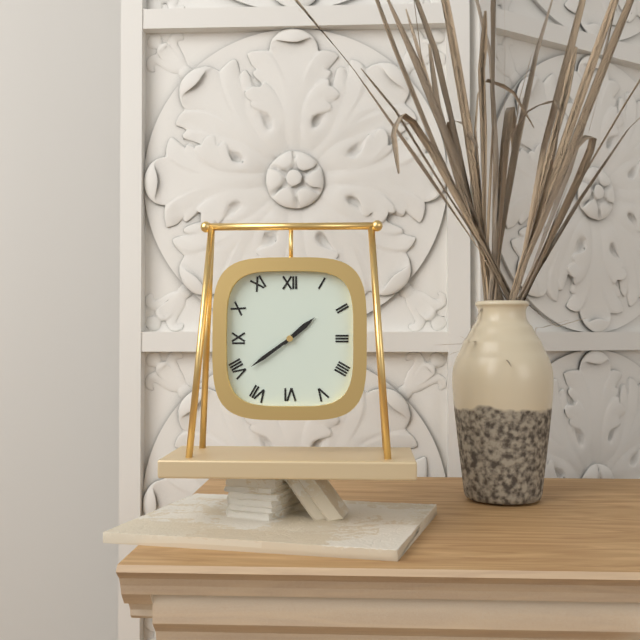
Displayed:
1:39
